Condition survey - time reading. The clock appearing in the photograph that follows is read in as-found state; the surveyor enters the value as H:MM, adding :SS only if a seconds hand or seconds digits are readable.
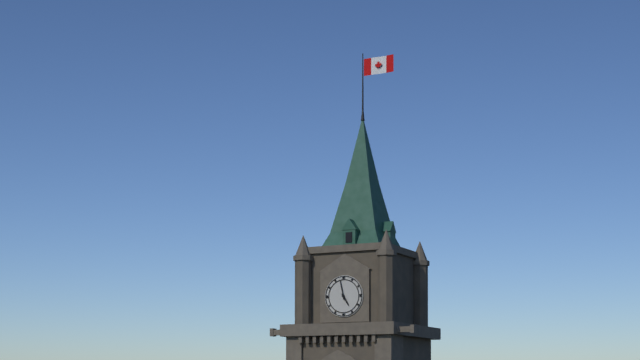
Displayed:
4:58
